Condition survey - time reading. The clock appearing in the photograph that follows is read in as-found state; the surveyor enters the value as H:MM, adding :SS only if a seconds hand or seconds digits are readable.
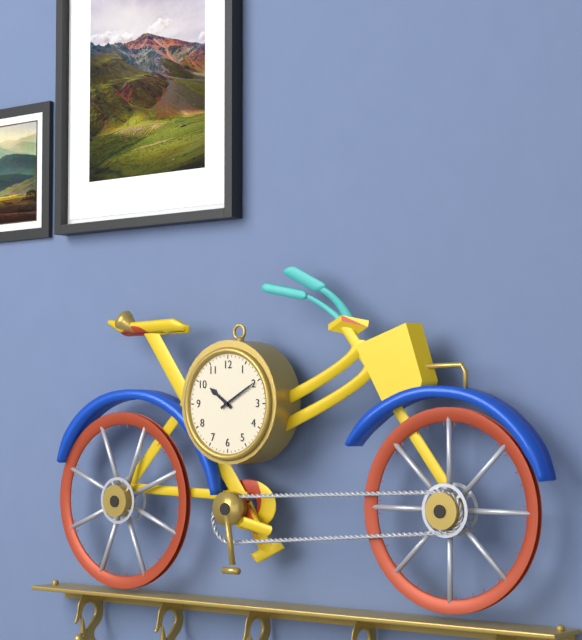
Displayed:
10:10
